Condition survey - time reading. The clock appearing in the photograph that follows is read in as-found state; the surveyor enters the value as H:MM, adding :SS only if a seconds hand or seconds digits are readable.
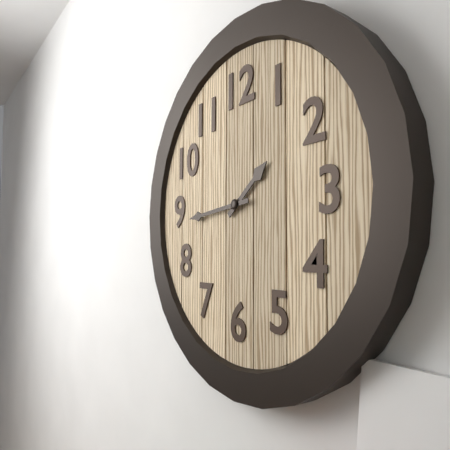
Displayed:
1:44
